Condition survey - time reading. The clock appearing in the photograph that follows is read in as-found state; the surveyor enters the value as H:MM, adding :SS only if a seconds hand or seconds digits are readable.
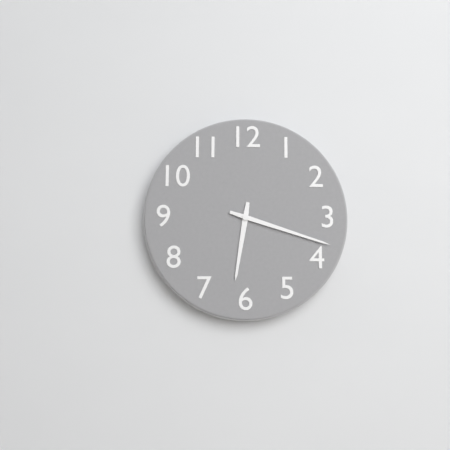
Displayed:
6:18
